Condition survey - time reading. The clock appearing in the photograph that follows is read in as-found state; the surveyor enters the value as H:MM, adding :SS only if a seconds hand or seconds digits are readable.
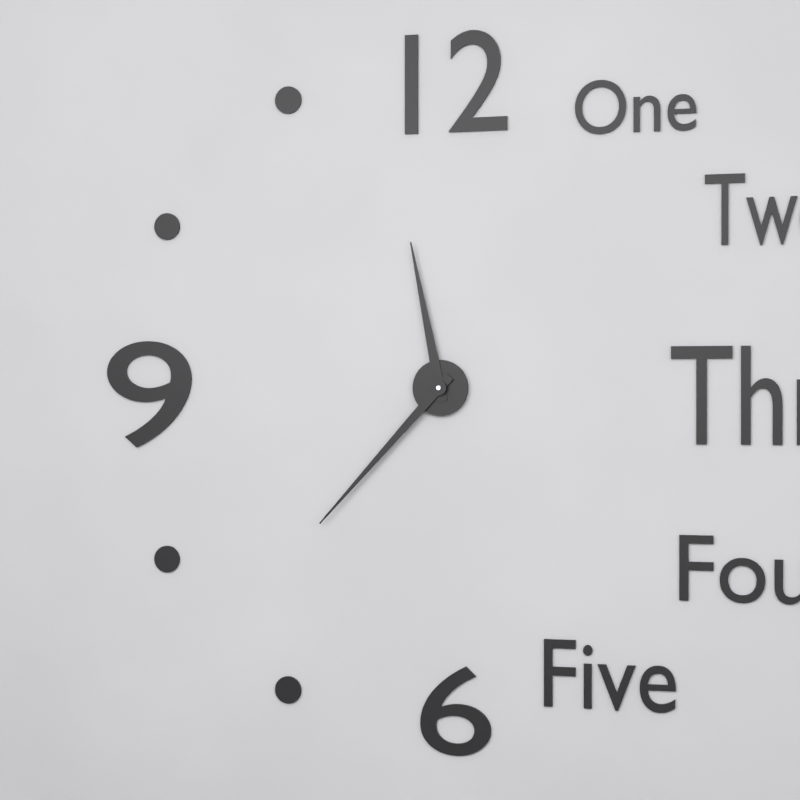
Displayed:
11:37
